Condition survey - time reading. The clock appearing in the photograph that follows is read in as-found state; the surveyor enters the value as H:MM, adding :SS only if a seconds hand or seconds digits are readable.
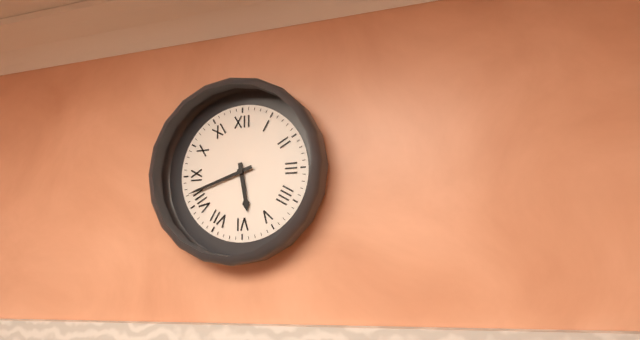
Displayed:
5:42
